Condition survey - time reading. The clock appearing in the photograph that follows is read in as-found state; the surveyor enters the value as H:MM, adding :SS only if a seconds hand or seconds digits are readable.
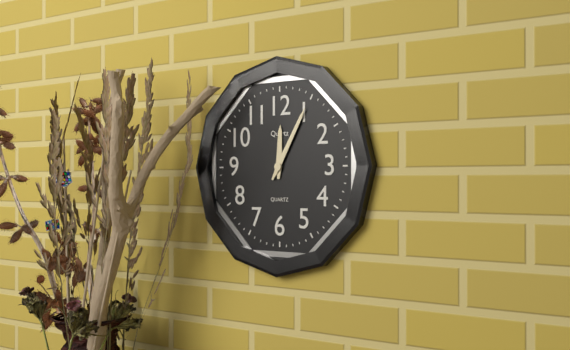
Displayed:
12:05
